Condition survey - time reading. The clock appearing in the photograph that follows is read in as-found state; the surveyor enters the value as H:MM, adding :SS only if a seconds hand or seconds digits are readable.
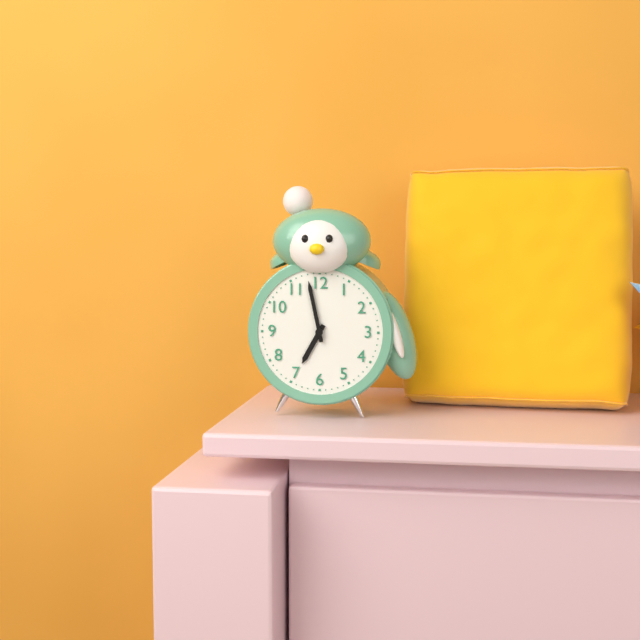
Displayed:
6:58
